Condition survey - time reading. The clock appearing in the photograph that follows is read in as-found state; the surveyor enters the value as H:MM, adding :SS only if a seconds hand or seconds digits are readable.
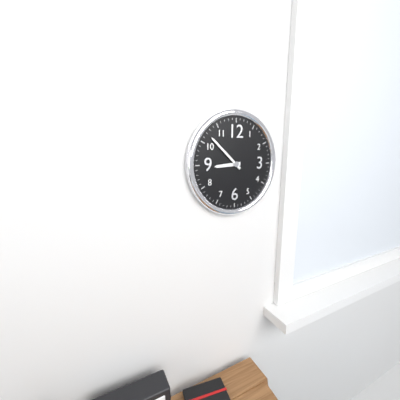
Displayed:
8:52
